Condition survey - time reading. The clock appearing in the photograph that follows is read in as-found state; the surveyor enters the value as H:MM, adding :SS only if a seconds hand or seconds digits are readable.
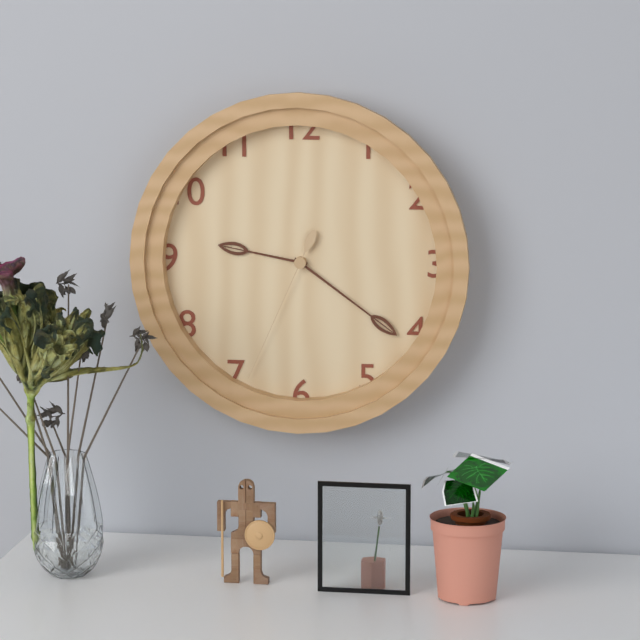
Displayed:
9:21:34
